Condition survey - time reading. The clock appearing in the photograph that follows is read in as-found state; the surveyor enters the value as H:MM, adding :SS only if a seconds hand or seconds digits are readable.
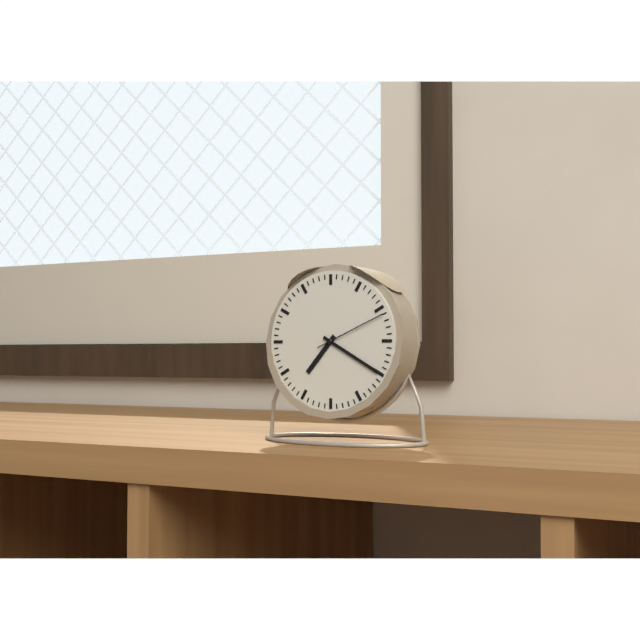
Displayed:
7:20:11
